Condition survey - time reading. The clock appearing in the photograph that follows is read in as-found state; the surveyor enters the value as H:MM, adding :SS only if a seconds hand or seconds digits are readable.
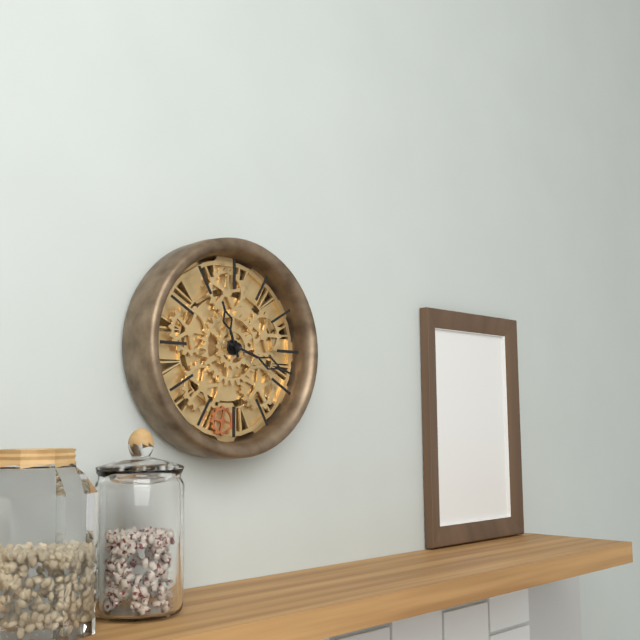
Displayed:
11:18
